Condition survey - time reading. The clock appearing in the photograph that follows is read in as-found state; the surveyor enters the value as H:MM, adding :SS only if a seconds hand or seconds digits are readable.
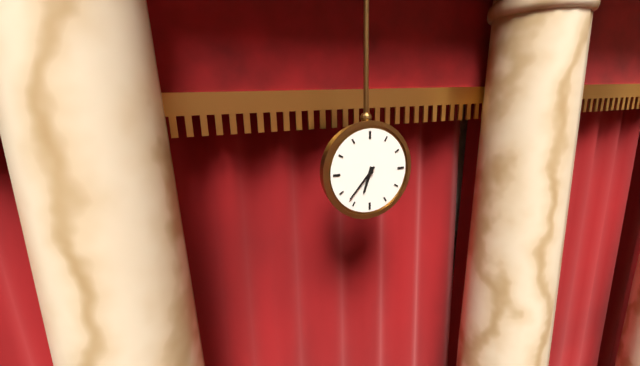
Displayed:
6:37
